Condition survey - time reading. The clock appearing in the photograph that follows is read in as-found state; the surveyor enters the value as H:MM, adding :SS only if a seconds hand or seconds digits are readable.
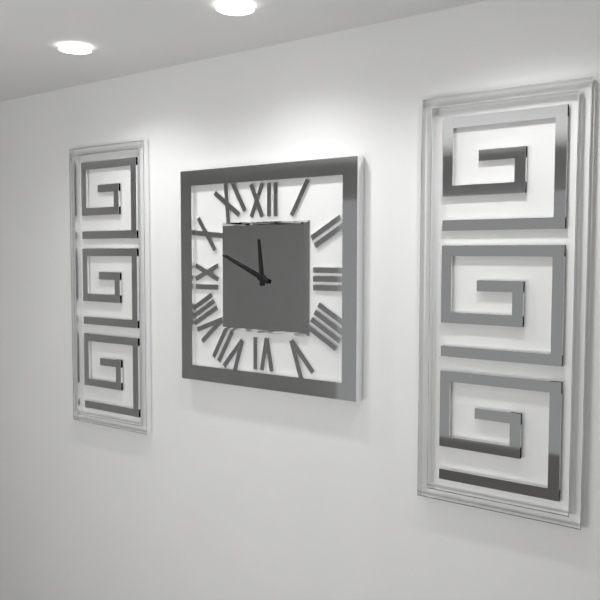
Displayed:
11:49
